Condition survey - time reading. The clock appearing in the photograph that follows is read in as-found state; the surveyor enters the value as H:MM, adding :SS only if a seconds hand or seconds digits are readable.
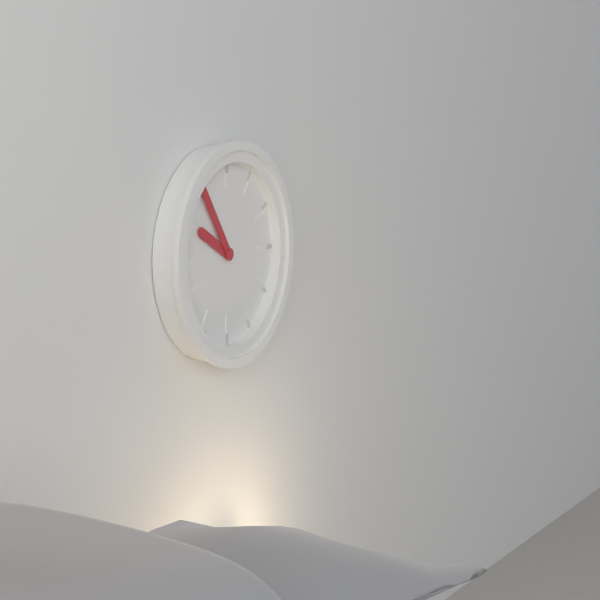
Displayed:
9:54
